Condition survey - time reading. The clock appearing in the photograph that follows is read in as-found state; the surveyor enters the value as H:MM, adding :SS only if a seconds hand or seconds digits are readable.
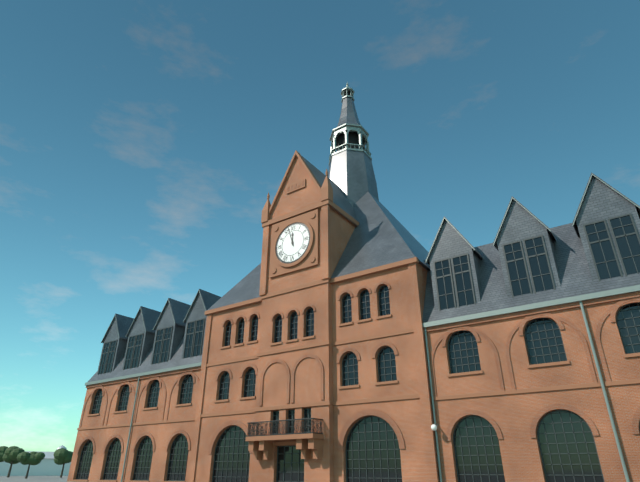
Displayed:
11:57
